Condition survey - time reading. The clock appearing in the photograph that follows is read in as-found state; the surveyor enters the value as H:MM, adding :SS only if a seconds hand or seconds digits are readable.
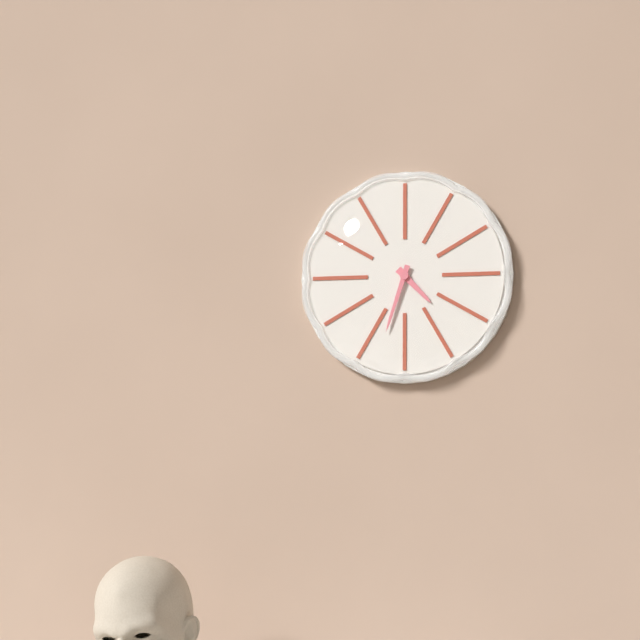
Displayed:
4:33
